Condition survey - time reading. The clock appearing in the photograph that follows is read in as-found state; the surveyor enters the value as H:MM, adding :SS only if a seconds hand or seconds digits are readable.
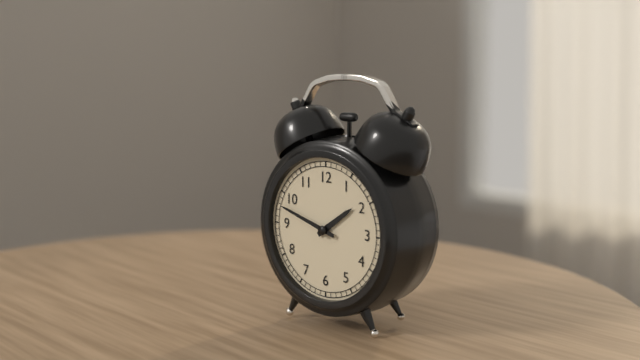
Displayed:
1:48
